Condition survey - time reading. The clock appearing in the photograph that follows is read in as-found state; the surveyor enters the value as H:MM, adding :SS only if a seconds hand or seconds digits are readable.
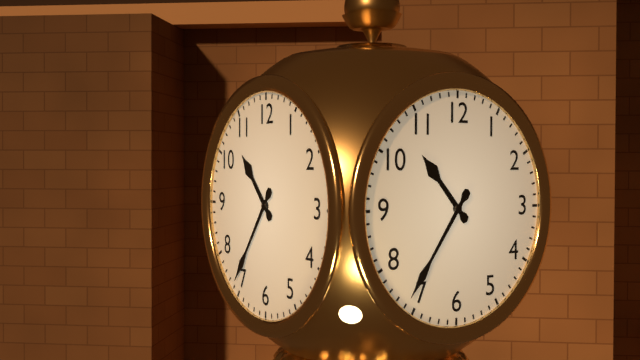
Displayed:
10:36
